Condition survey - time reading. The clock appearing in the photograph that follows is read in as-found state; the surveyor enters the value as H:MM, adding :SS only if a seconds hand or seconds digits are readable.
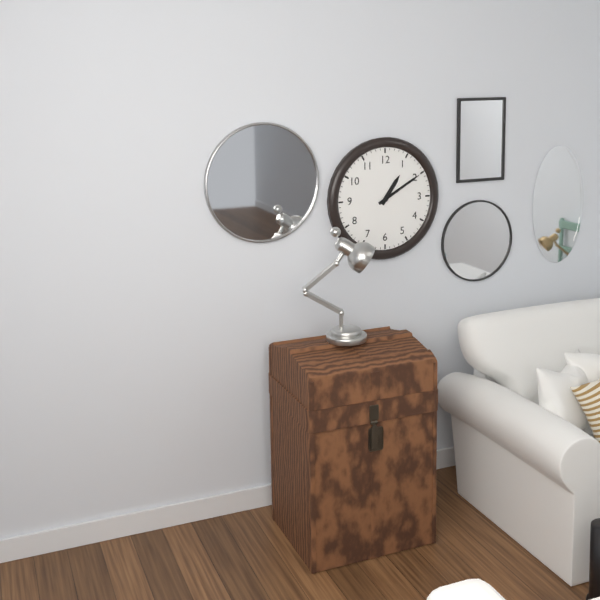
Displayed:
1:10
